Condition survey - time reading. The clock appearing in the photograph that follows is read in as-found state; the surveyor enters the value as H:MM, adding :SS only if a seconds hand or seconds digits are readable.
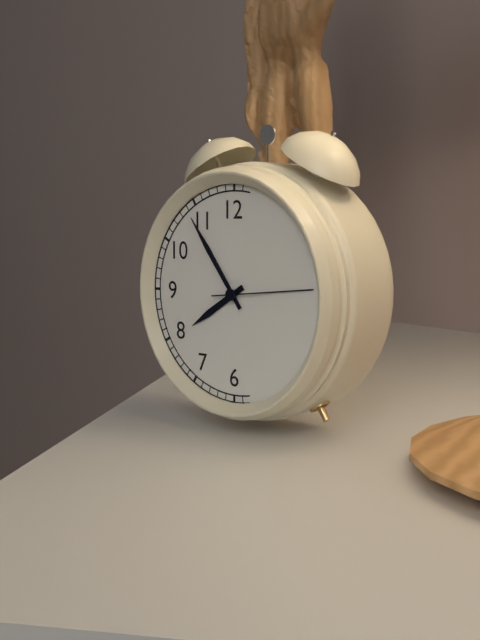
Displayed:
7:54:14
